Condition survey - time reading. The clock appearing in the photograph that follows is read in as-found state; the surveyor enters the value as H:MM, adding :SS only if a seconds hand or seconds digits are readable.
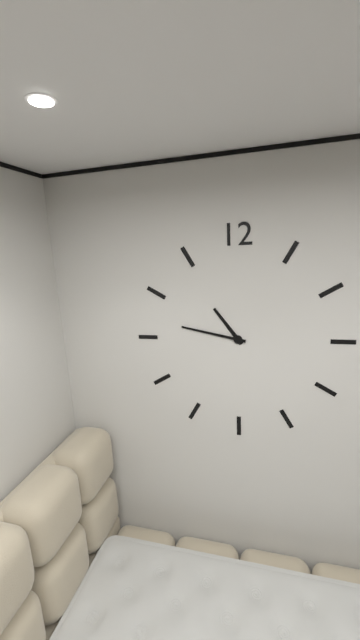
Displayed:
10:47
